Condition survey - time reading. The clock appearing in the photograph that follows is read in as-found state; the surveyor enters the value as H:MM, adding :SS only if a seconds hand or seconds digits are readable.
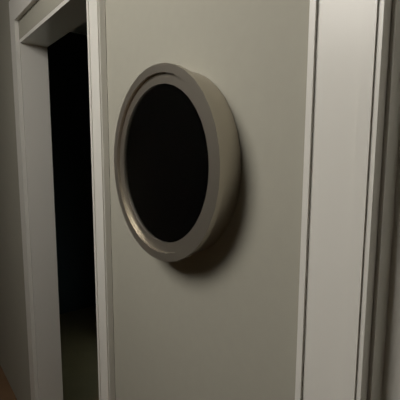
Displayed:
7:25
